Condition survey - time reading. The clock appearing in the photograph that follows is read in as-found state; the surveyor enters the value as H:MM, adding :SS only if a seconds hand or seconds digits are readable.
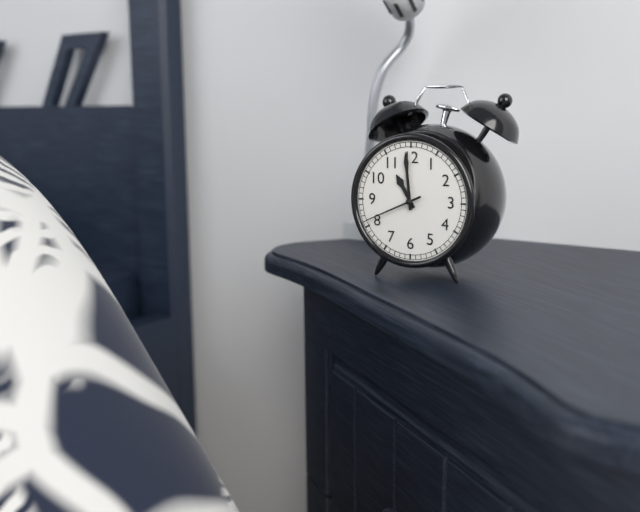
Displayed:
10:59:41
